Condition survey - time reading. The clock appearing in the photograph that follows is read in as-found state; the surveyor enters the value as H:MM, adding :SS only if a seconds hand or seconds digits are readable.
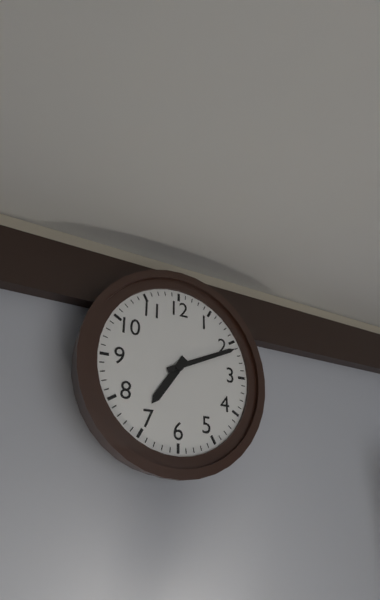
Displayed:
7:11
